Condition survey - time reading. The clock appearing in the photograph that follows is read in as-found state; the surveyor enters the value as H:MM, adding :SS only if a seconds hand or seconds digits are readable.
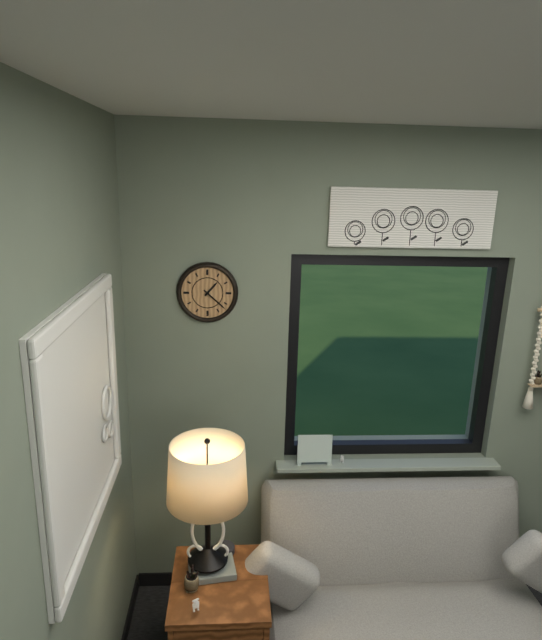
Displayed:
1:22
